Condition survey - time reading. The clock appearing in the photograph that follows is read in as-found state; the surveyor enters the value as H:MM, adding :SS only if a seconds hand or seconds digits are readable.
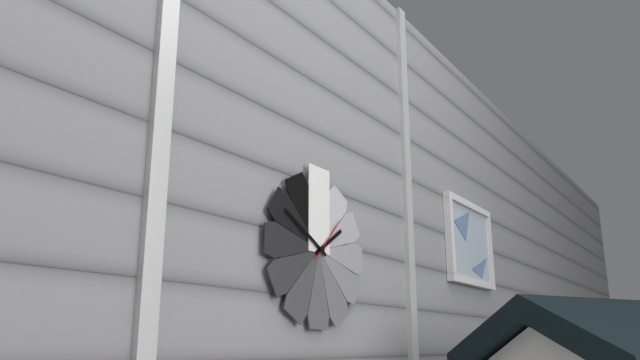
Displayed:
1:50
